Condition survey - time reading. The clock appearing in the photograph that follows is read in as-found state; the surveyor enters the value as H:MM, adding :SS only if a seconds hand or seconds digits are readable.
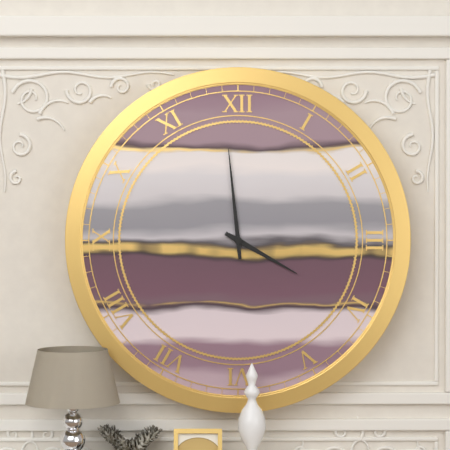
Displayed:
3:59
